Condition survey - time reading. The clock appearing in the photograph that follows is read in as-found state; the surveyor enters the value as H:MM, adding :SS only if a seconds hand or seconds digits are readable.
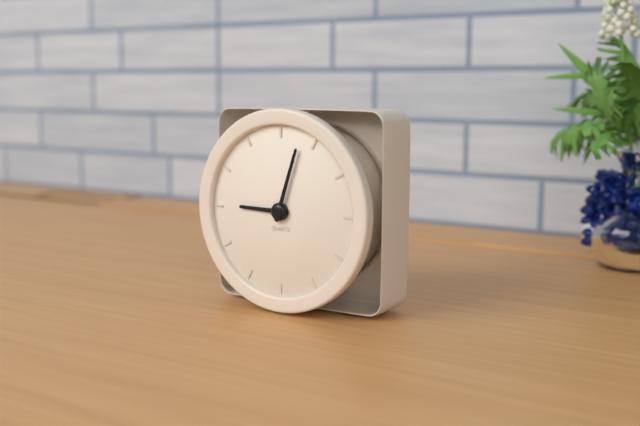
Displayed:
9:03
